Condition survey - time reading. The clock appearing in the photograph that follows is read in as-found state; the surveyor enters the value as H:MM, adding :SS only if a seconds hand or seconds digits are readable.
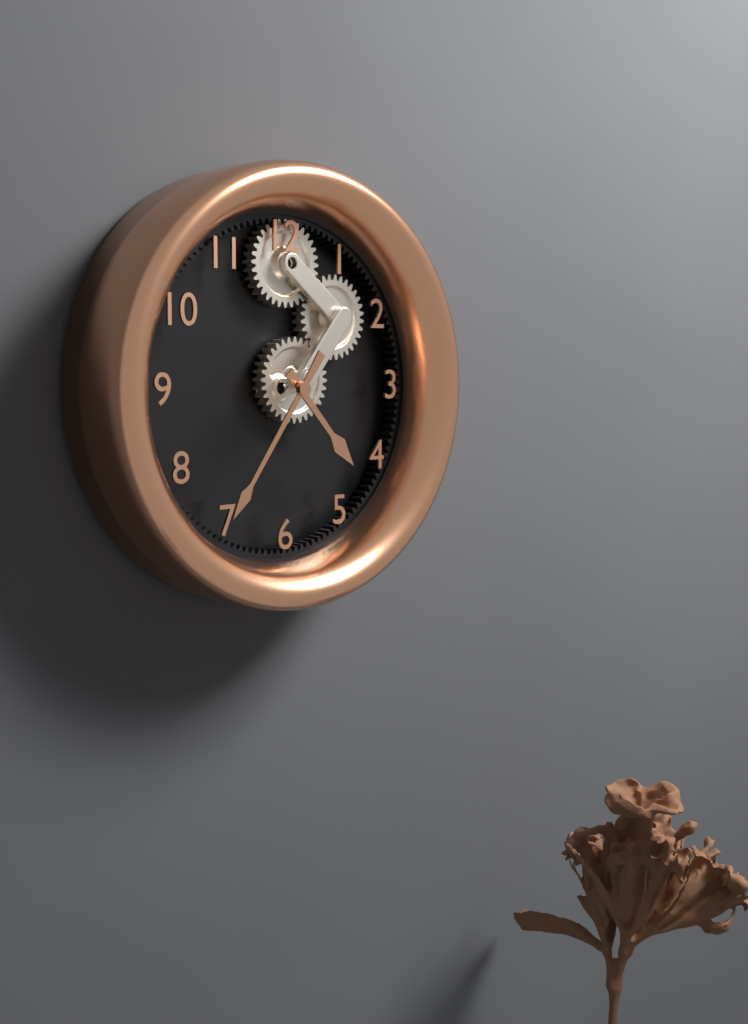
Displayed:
4:36
